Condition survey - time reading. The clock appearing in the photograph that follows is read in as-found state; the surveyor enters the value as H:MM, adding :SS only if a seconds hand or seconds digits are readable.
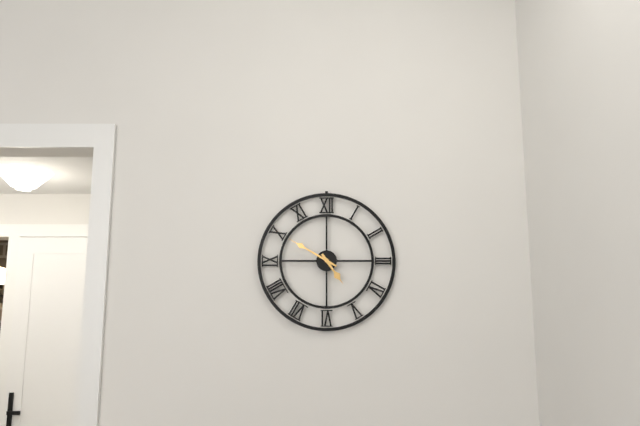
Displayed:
4:50
